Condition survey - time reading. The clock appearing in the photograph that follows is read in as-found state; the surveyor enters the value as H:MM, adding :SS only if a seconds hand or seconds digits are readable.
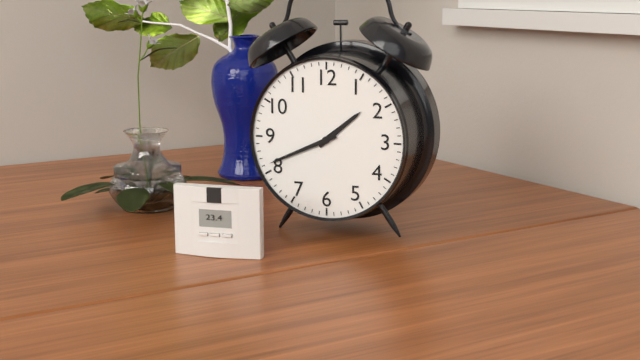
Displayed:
1:41
